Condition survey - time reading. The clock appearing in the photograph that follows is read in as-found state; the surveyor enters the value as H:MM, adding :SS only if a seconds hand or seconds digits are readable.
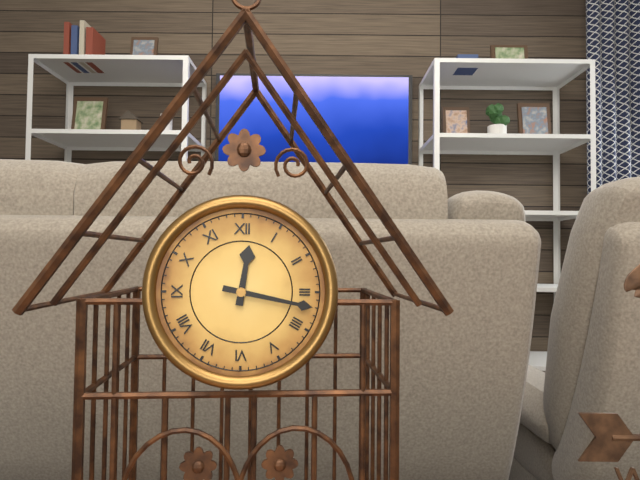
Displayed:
12:17
